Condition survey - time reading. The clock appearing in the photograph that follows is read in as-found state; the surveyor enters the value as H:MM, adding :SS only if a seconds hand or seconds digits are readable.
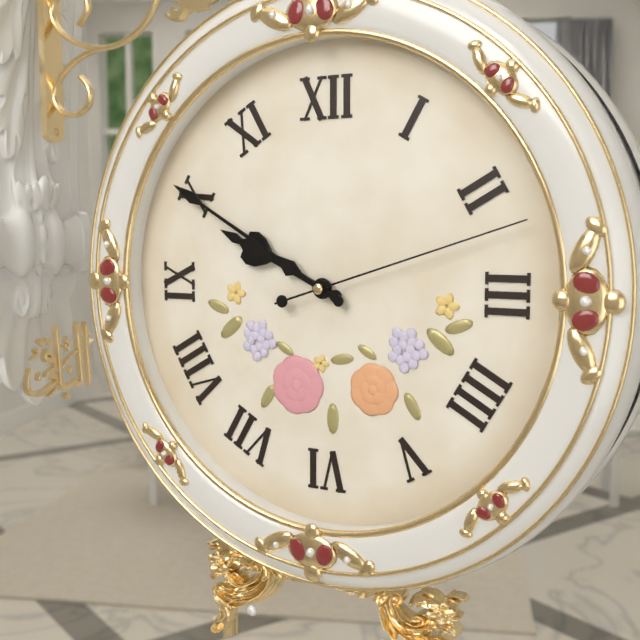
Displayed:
9:50:12
